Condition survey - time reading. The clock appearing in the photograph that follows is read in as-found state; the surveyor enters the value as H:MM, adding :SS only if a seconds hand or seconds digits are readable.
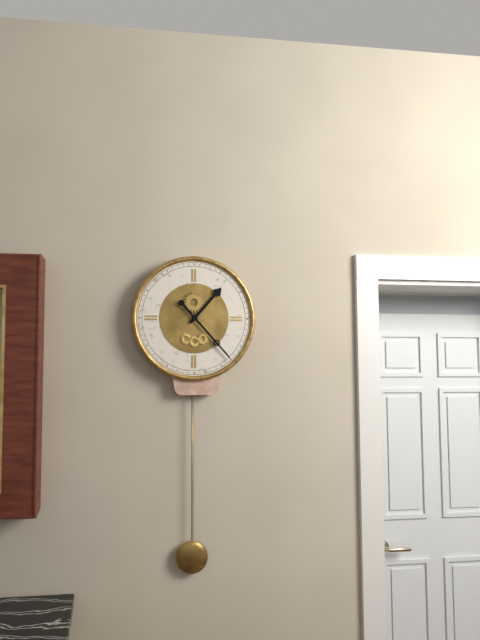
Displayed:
1:23
